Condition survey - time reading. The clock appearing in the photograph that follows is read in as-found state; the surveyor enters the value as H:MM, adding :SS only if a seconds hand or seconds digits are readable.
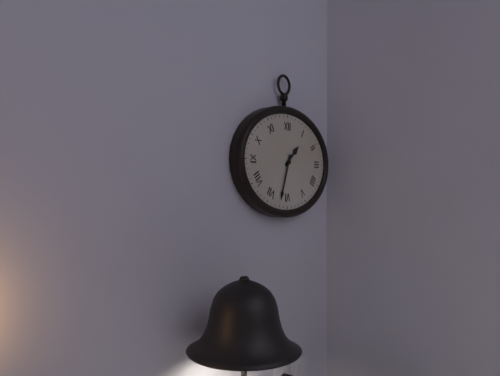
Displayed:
1:33
